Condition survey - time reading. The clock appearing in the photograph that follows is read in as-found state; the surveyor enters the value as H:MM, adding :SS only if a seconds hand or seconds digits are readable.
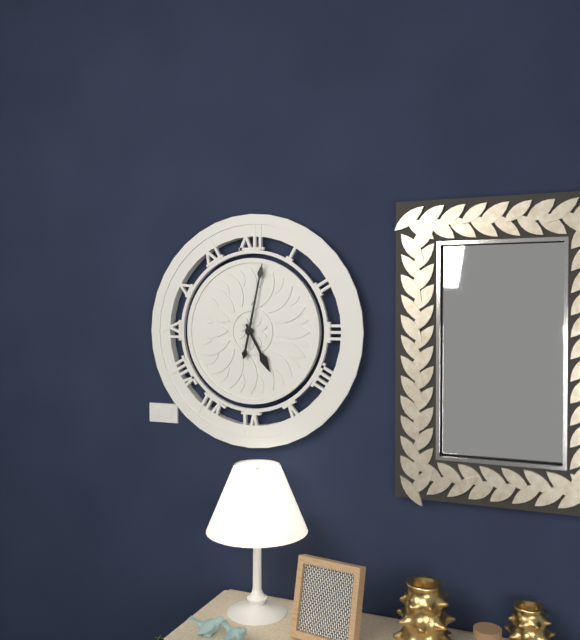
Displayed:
5:02
